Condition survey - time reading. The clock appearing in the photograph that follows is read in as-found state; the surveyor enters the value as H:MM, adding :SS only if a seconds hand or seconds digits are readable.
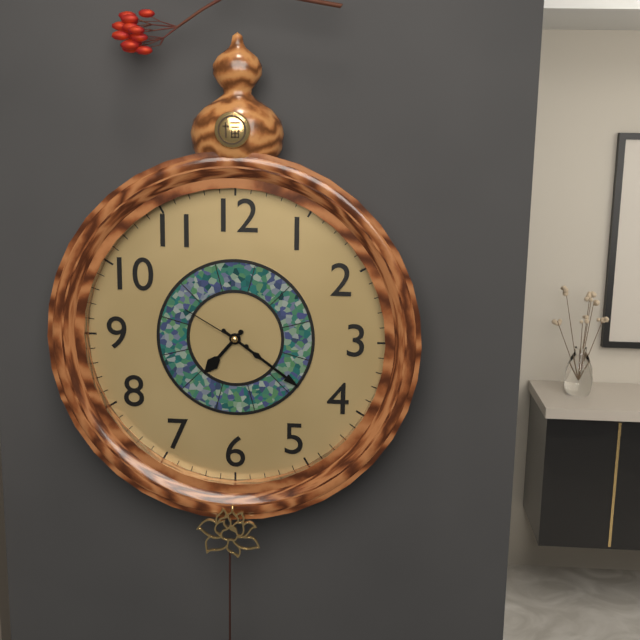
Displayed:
7:21:50
